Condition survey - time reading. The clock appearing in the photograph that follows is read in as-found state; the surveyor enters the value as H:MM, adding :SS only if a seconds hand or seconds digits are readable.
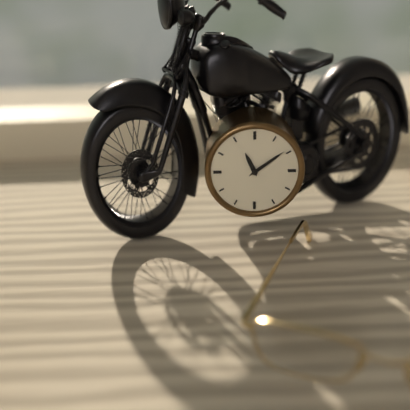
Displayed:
11:09
